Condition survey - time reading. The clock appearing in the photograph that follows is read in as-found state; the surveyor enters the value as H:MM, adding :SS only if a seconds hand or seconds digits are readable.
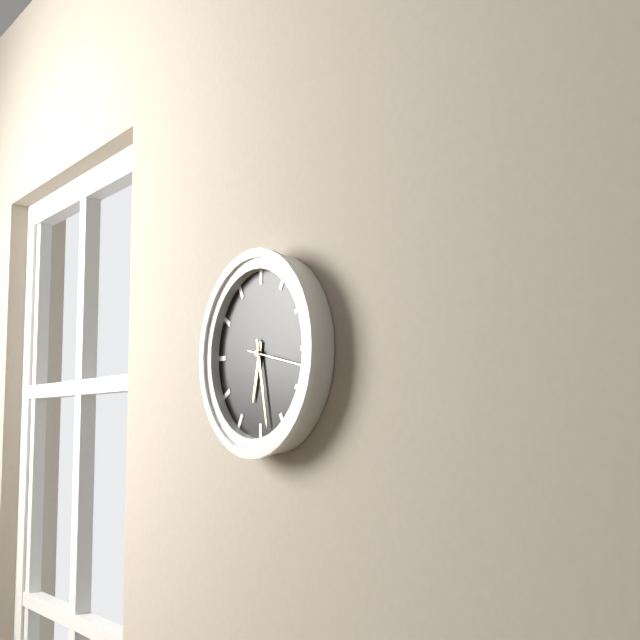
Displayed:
6:28:17
